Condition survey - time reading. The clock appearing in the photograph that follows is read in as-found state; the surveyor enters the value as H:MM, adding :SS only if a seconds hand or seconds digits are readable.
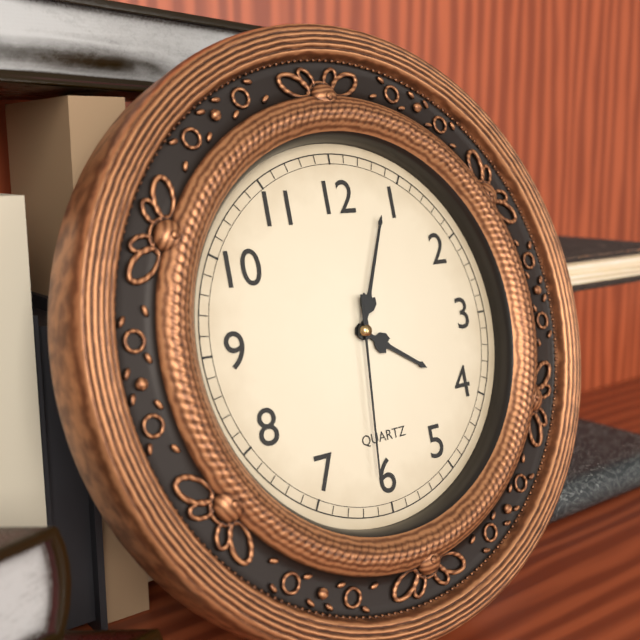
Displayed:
4:04:31
